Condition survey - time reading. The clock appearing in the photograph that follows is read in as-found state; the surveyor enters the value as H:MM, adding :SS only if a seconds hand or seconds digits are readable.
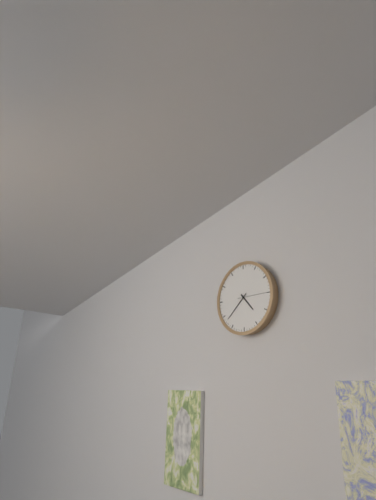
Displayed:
4:38
